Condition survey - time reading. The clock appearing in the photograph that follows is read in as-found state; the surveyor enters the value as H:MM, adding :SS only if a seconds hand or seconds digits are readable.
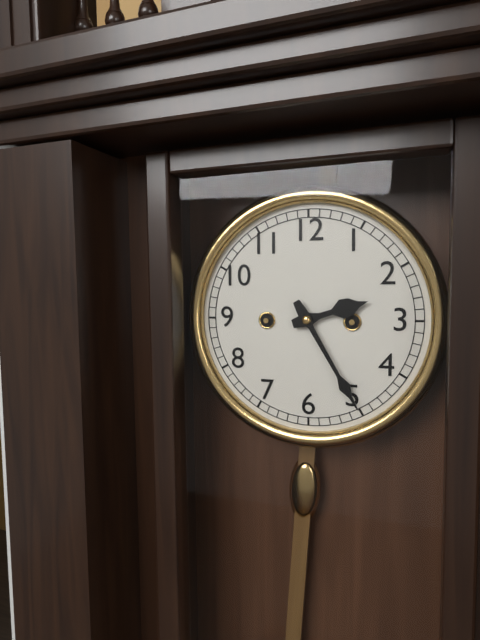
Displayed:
2:25
